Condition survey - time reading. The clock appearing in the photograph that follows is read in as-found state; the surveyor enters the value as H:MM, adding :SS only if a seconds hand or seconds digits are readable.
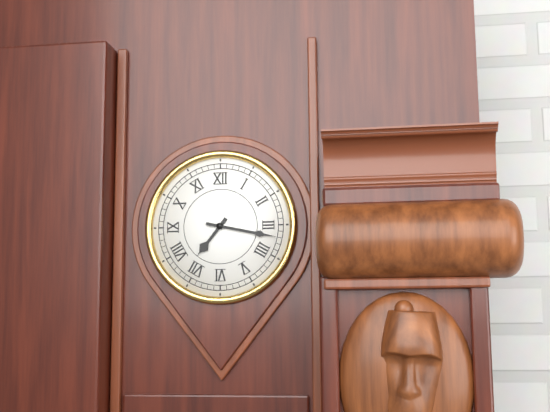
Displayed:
7:17
